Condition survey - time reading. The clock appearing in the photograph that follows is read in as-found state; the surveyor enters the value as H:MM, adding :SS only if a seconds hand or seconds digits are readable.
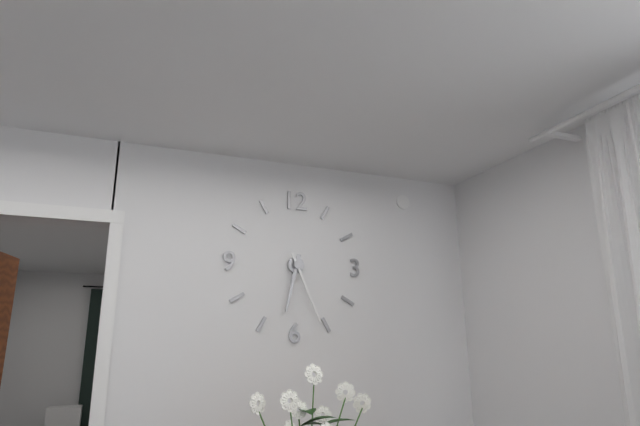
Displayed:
6:26
